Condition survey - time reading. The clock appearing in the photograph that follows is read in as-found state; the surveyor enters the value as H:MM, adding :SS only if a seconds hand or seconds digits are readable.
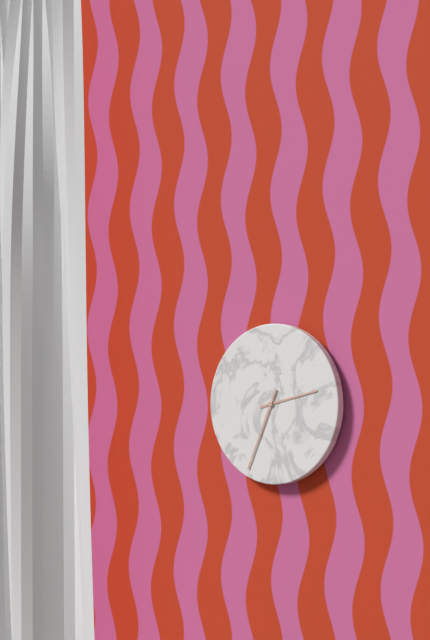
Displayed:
2:34
